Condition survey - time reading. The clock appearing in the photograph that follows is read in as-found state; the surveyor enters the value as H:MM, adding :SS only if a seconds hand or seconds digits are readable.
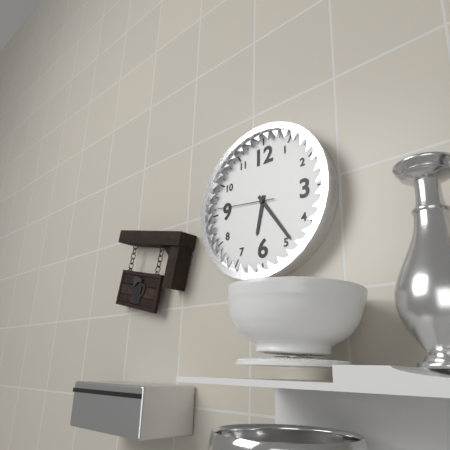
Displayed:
6:24:46
